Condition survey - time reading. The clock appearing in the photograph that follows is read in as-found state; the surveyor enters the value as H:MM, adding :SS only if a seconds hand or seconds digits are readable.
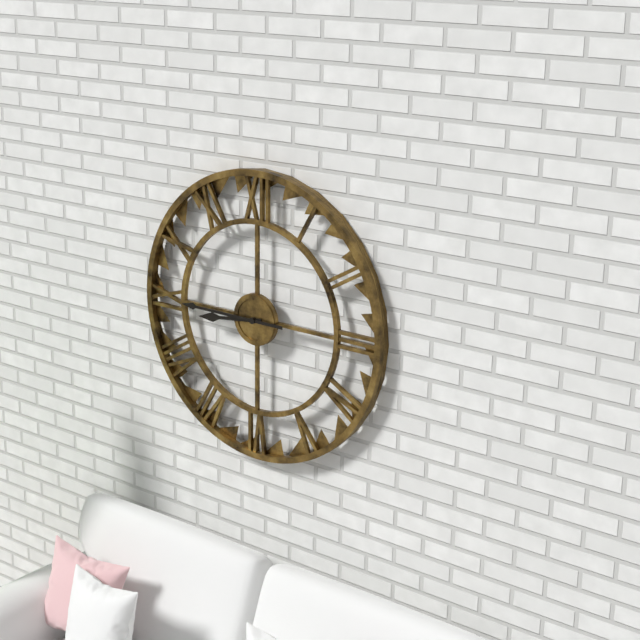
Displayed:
8:45
